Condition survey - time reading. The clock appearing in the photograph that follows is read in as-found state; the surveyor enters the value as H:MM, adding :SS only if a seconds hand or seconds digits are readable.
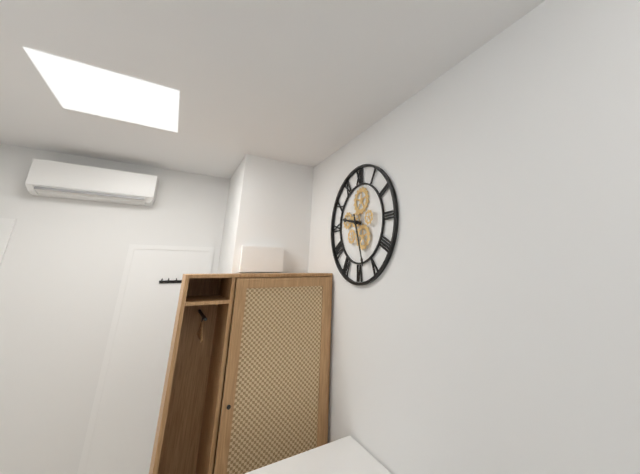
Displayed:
9:27
